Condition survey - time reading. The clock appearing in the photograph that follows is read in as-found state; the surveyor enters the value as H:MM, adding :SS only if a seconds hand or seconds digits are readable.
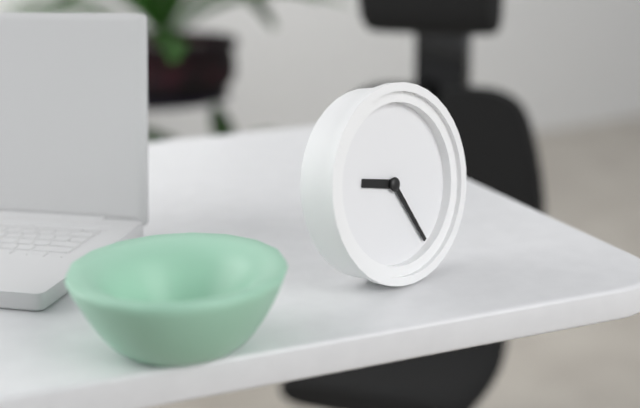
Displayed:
9:25
